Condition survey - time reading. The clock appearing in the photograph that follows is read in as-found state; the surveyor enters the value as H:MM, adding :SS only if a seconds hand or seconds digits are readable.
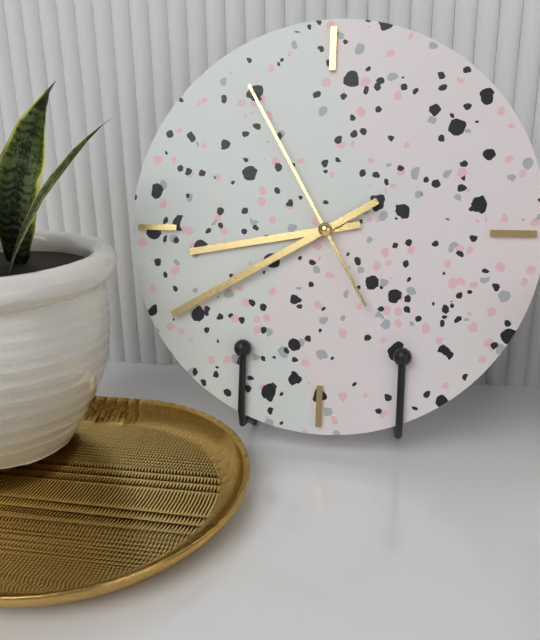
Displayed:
8:40:55
